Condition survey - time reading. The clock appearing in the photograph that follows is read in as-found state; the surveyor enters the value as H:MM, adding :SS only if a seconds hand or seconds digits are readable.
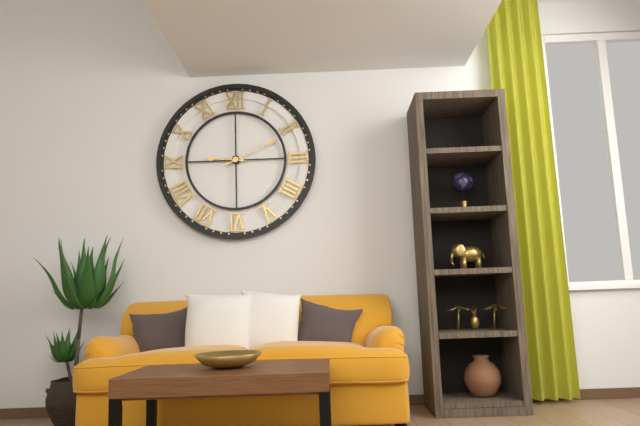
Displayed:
9:11
